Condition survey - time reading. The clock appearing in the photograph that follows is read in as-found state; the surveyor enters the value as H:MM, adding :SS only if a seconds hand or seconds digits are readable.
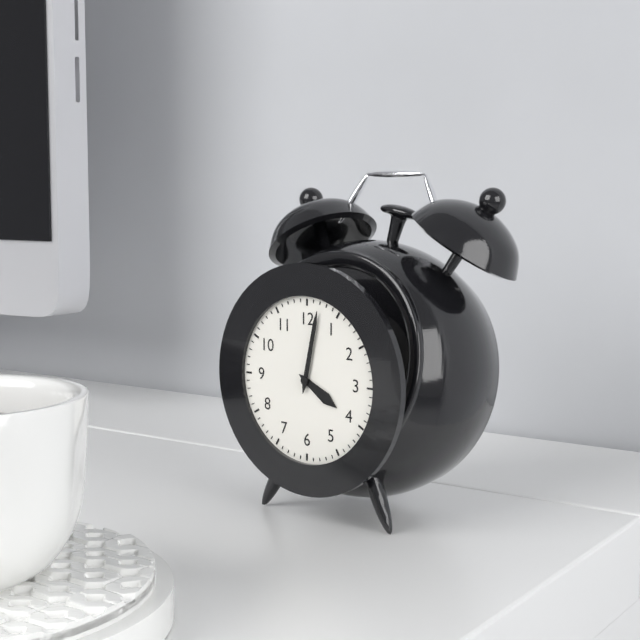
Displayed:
4:02
